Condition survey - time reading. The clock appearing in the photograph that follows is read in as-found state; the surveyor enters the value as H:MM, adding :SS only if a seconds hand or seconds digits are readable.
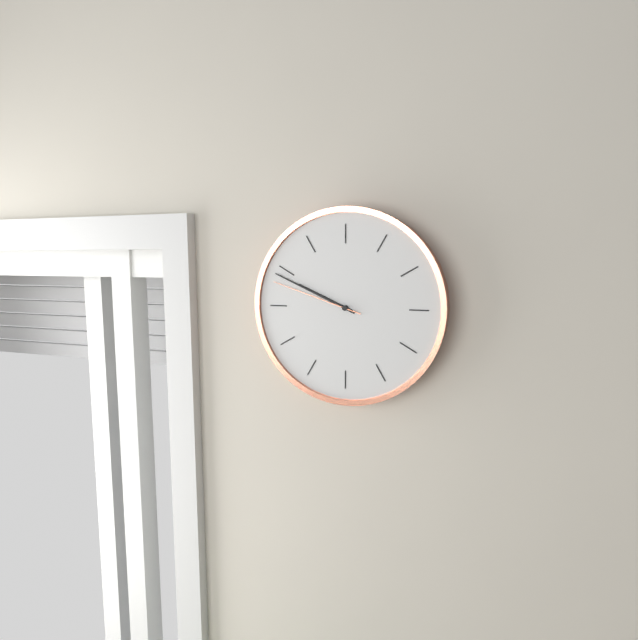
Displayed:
9:49:48
